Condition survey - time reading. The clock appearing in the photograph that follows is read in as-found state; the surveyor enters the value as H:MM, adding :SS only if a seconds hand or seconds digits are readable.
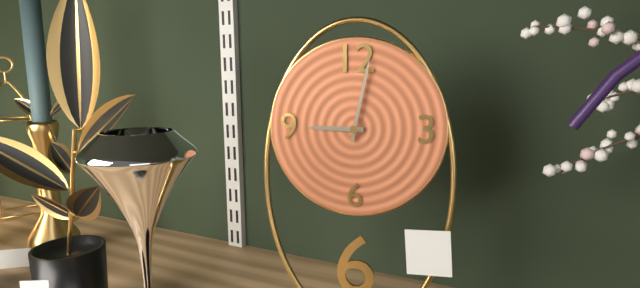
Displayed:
9:02
